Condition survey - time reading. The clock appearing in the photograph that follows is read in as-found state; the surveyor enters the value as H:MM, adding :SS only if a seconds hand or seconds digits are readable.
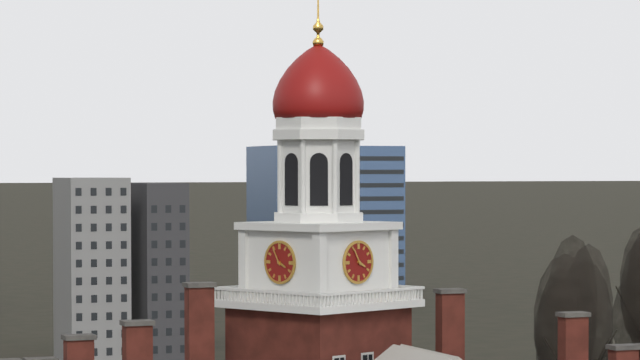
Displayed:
3:55
